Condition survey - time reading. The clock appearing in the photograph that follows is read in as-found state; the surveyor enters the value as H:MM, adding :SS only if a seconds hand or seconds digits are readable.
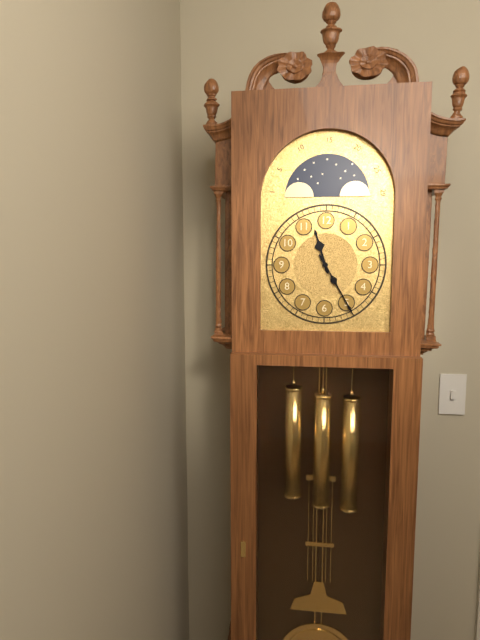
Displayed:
11:25
